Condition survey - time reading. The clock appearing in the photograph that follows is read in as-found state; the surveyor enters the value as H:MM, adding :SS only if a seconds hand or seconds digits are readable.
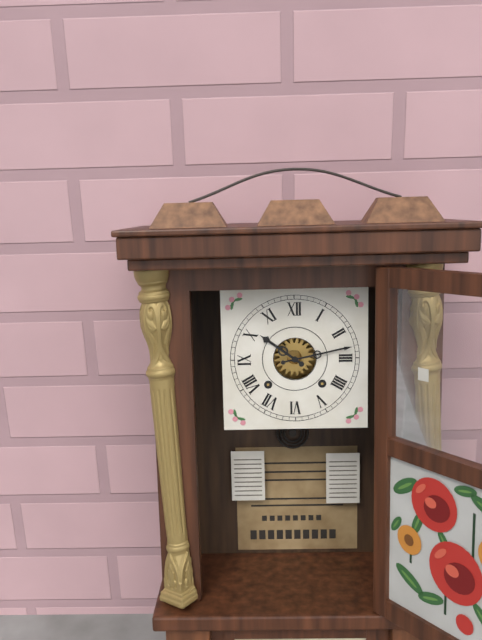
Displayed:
10:13
